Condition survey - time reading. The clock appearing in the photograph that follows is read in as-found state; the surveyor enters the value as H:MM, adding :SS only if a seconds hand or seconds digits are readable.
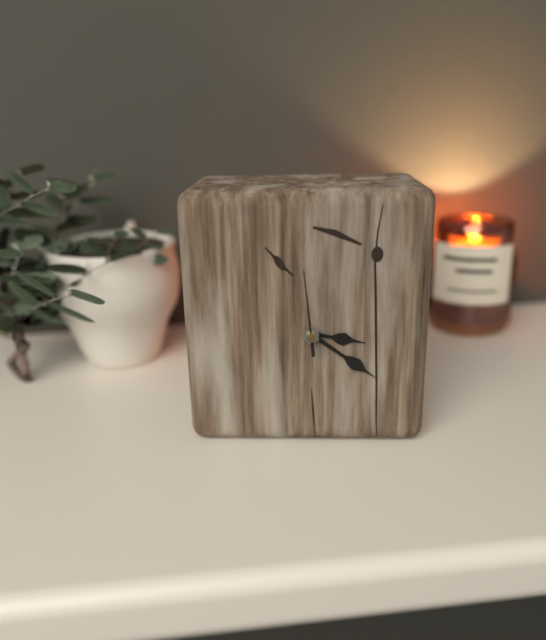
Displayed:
3:21:59
